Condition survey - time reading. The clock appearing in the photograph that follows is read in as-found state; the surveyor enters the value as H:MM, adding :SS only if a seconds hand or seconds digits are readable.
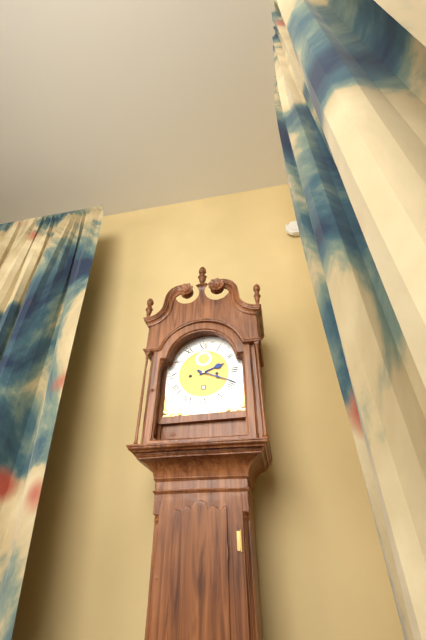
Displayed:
2:19
